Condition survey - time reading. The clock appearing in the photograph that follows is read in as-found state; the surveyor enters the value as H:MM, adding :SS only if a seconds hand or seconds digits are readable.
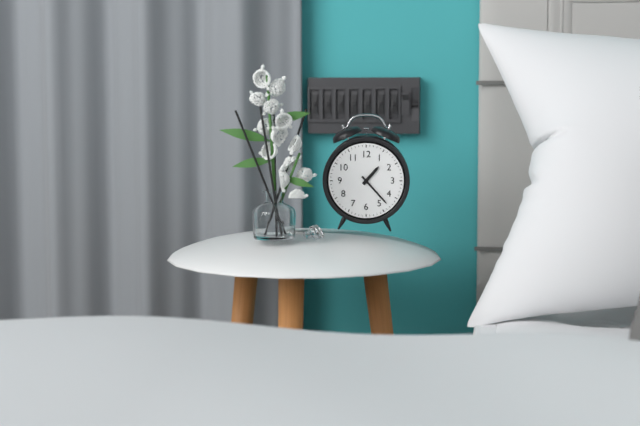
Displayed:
1:23
